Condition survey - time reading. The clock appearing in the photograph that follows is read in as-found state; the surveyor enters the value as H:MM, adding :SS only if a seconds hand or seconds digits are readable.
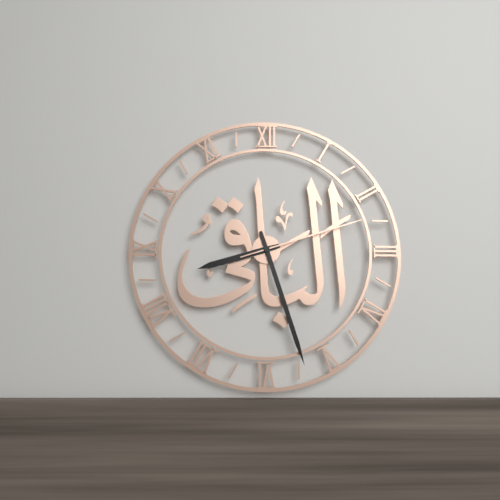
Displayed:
8:27:12
